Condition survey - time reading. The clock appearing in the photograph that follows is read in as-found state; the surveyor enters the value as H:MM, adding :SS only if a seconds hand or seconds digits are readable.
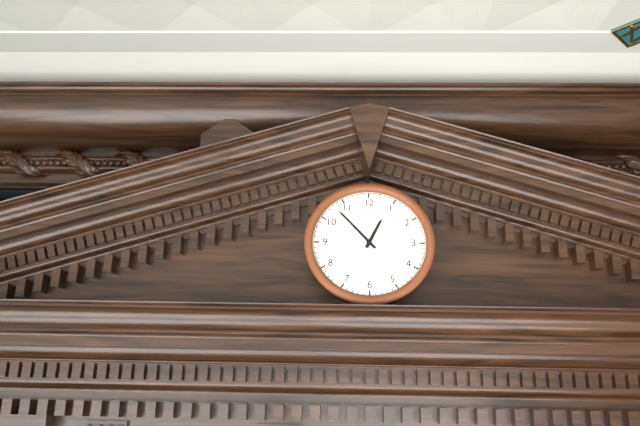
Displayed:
12:53
